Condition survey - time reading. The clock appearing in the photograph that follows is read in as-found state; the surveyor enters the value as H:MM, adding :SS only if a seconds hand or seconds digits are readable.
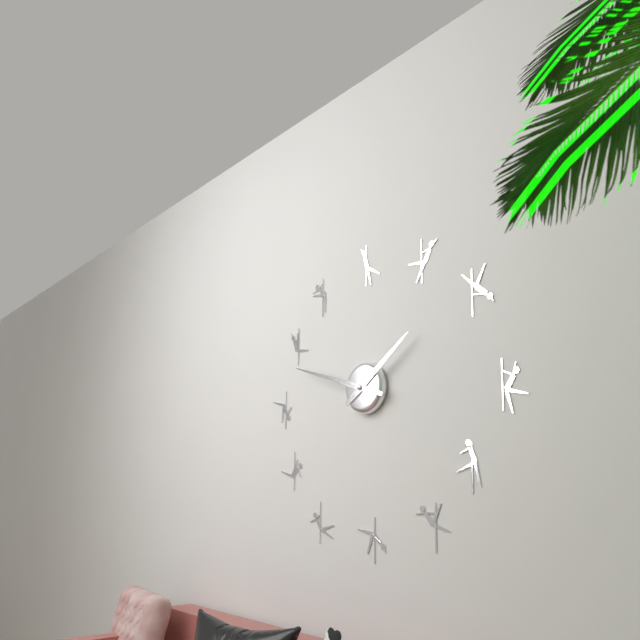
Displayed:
1:48
